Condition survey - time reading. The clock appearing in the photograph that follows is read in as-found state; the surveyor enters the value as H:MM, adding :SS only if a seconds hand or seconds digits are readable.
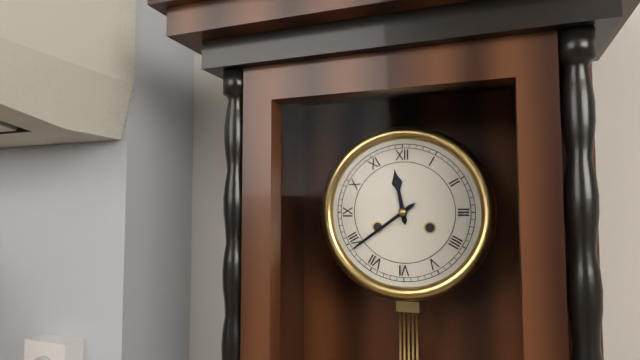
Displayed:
11:39
